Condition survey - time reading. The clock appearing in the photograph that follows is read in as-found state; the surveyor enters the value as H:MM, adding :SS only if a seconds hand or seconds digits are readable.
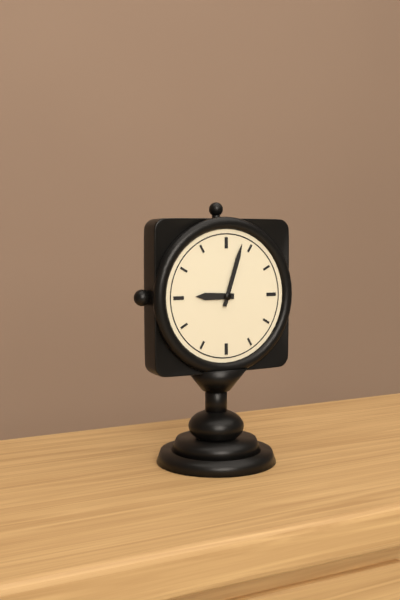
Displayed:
9:03
